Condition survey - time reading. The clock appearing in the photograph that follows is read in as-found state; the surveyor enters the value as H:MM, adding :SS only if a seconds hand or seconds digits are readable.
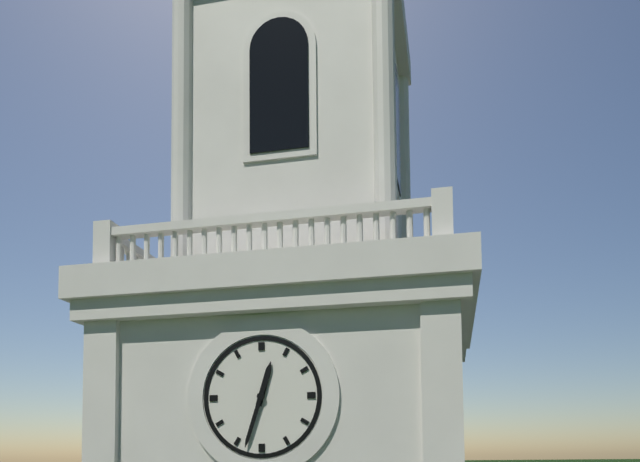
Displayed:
12:33
